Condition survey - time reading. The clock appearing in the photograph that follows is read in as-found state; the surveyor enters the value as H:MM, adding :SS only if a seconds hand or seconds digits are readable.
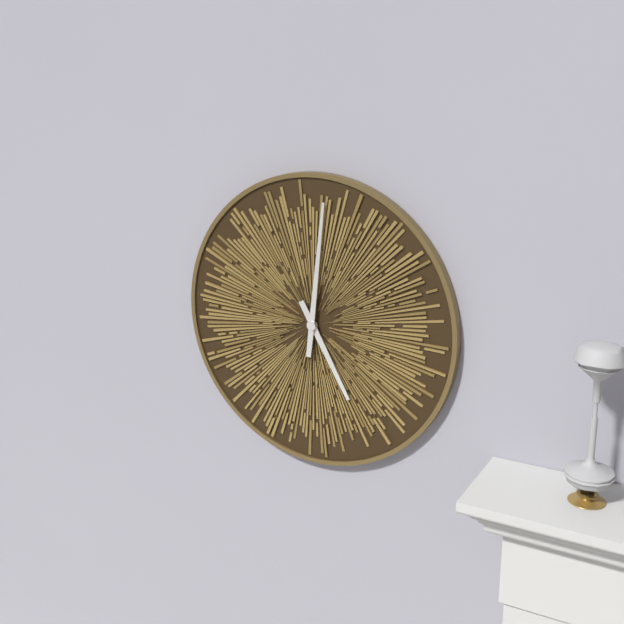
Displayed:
5:01
